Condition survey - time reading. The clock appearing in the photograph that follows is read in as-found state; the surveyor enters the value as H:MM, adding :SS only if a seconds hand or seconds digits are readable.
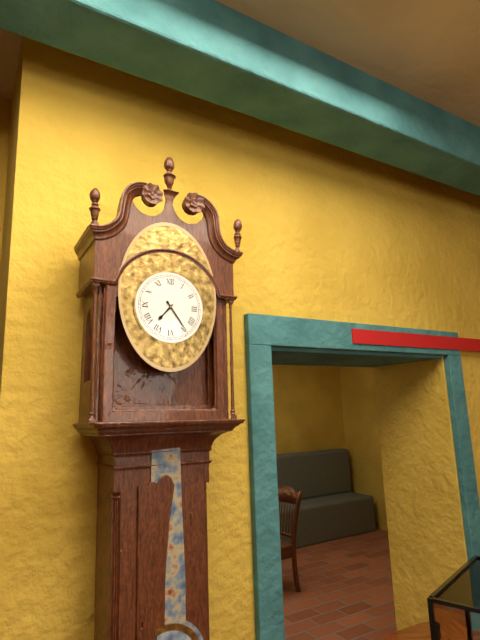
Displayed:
7:24
